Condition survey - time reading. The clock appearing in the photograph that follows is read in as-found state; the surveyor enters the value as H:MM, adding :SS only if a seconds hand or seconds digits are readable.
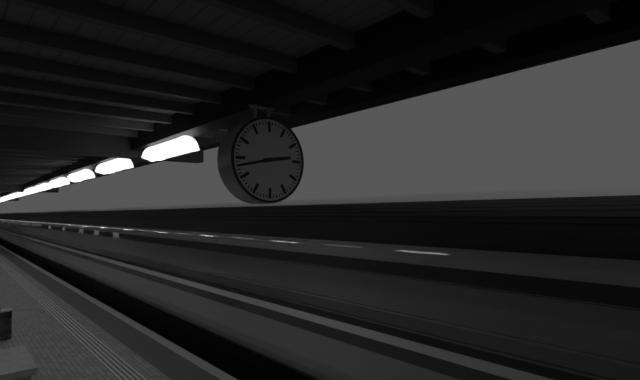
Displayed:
2:43
